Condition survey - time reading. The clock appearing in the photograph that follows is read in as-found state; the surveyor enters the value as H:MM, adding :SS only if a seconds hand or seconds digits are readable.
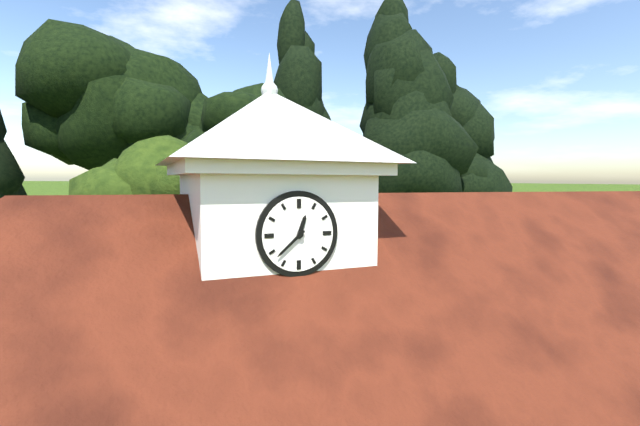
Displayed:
12:38
